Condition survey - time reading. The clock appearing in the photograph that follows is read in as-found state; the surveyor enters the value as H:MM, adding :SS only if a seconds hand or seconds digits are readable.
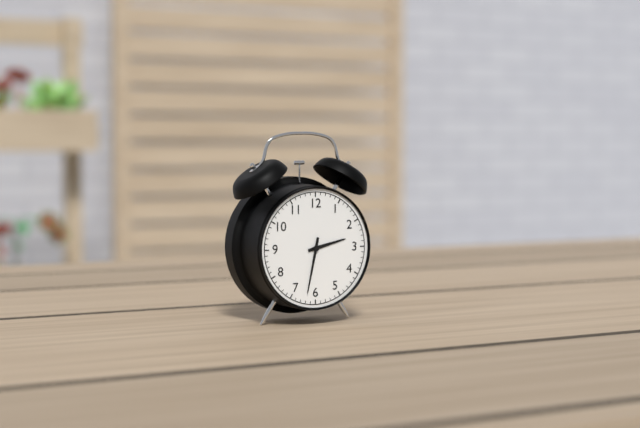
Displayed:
2:32
